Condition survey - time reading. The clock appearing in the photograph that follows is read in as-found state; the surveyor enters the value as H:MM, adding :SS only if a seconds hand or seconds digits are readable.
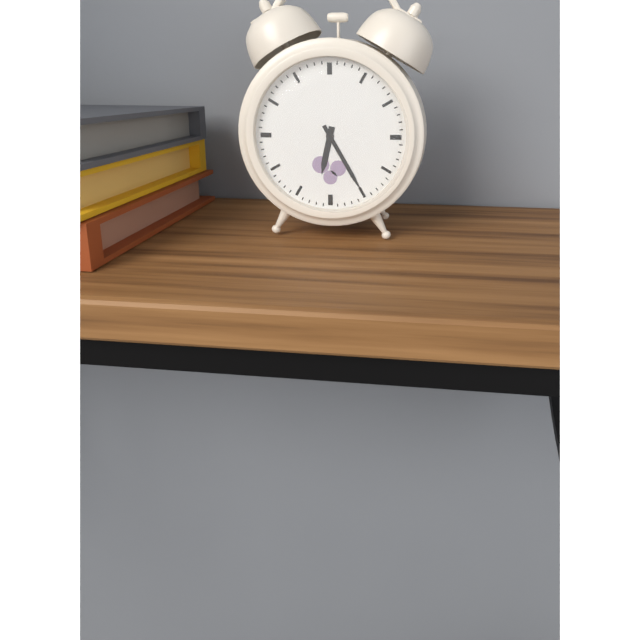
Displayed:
6:25
